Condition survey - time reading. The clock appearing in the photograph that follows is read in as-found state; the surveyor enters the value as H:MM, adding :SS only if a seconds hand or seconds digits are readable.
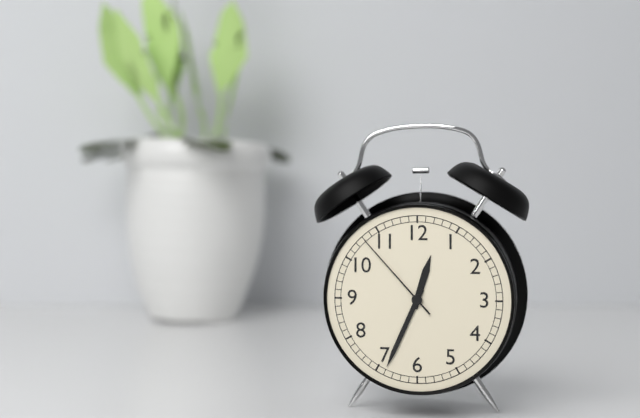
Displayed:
12:34:53
